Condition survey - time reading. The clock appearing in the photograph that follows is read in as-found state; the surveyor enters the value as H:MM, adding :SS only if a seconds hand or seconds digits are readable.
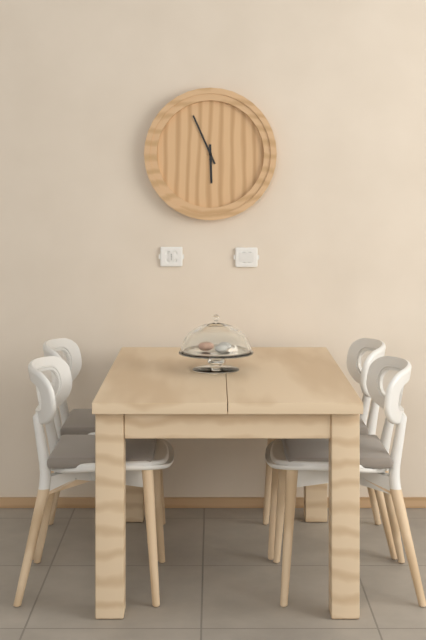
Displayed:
5:56
